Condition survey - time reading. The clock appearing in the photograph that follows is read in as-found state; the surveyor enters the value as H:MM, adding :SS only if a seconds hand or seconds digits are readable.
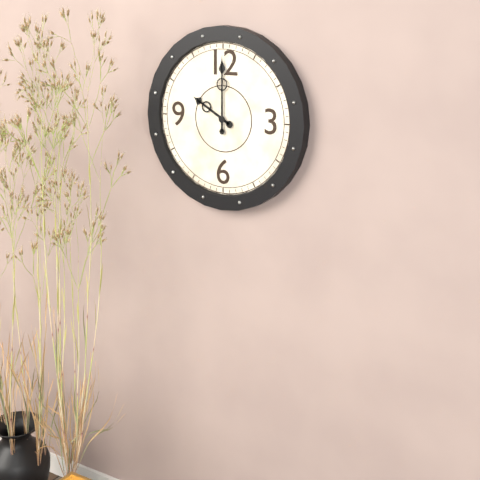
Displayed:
10:00
